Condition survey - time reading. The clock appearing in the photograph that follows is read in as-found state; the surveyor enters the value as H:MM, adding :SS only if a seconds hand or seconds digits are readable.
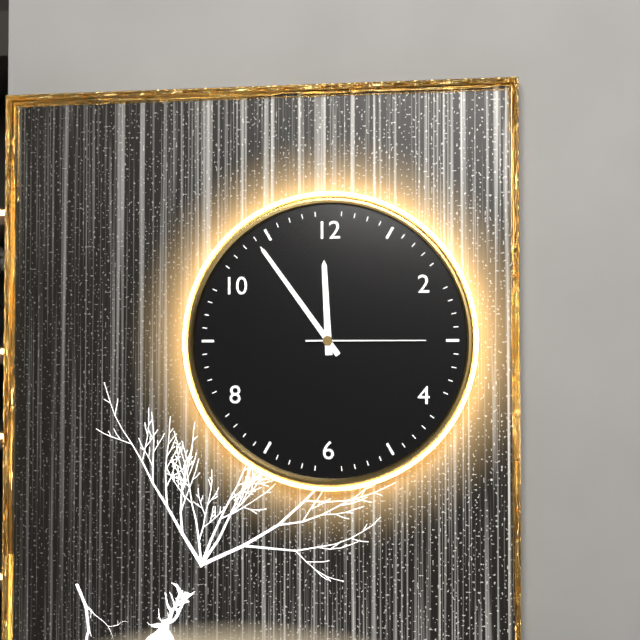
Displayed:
11:54:15
